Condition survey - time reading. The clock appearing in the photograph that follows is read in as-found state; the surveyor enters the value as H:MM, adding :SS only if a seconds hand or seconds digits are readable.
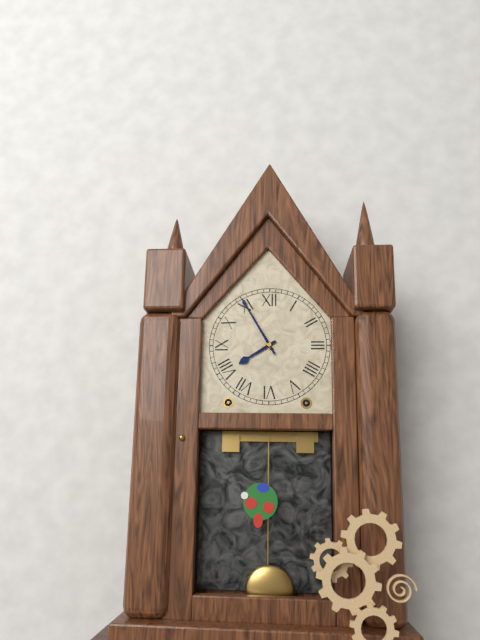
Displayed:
7:55
